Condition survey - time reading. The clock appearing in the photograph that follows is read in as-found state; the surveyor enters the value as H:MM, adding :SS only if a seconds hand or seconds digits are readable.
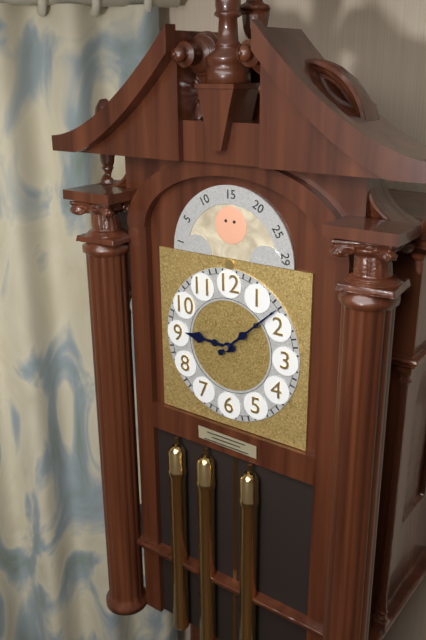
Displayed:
9:08
